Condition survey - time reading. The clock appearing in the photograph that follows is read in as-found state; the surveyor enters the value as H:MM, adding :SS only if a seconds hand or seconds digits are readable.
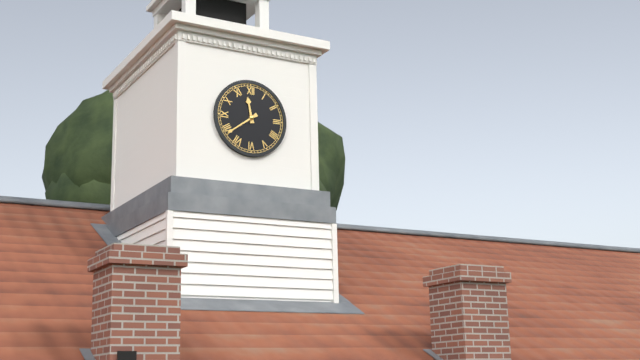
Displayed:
11:39
